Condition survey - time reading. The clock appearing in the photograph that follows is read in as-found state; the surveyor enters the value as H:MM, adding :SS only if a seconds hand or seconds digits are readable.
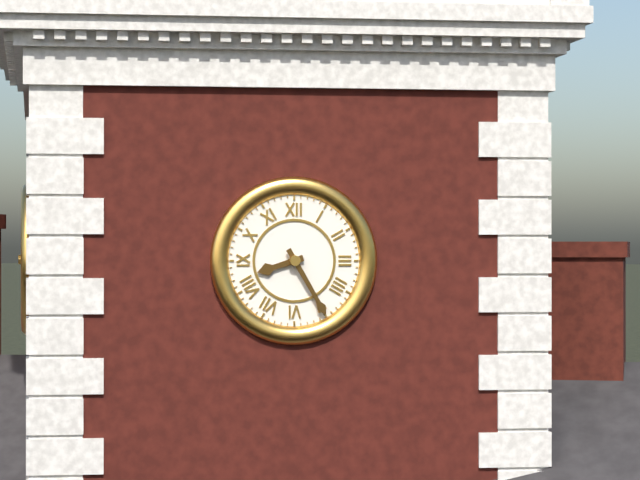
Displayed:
8:25
